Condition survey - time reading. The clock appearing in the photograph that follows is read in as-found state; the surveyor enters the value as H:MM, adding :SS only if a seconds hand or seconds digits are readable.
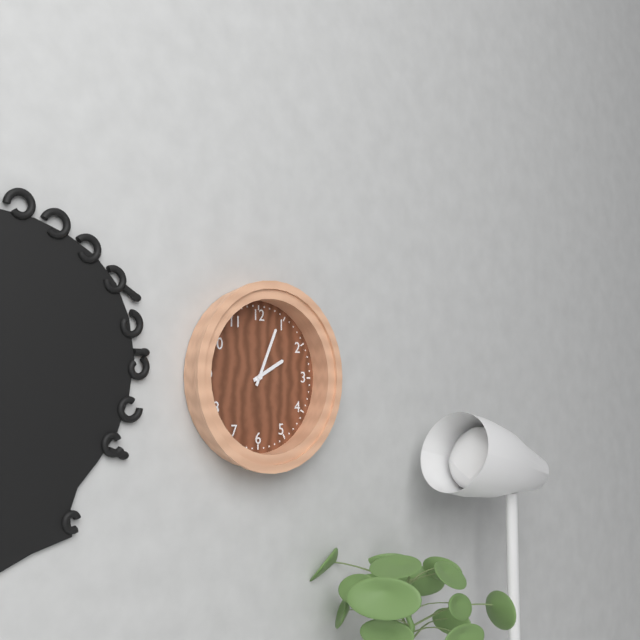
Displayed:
2:04
